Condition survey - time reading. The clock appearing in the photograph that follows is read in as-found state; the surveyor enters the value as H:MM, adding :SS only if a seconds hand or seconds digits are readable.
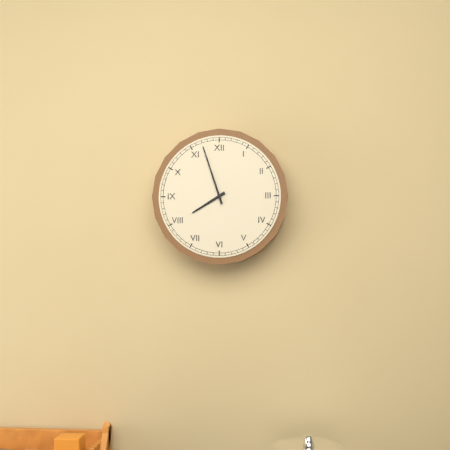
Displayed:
7:57
